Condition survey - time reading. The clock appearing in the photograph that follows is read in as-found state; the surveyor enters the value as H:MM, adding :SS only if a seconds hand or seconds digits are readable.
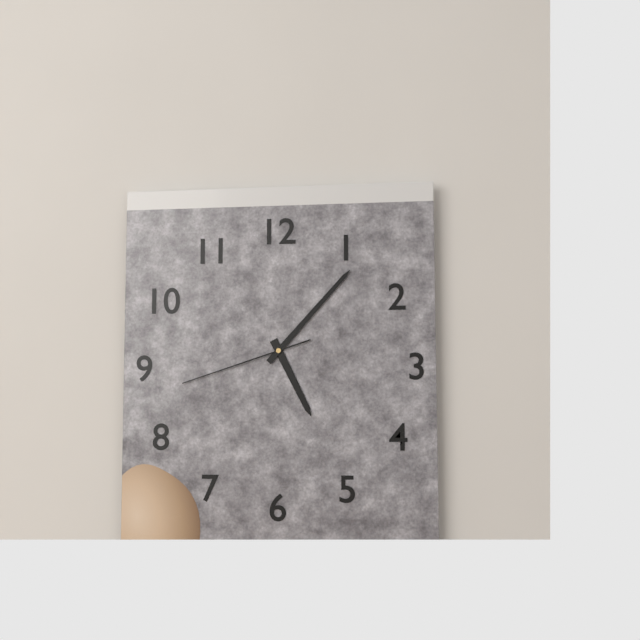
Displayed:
5:07:42
